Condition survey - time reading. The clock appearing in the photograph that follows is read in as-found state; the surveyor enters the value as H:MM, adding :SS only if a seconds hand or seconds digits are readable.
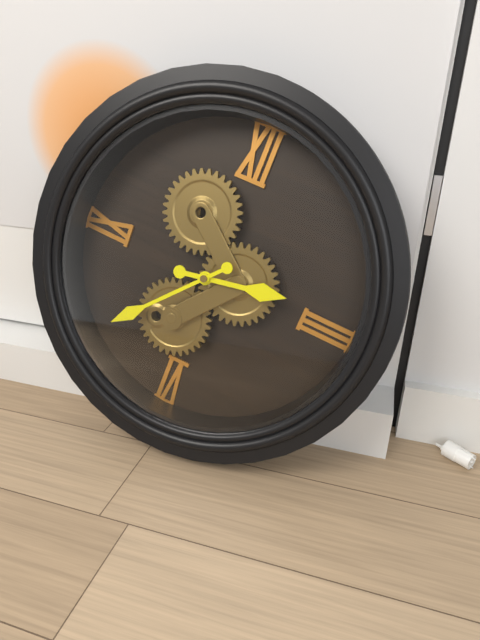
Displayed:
2:37
